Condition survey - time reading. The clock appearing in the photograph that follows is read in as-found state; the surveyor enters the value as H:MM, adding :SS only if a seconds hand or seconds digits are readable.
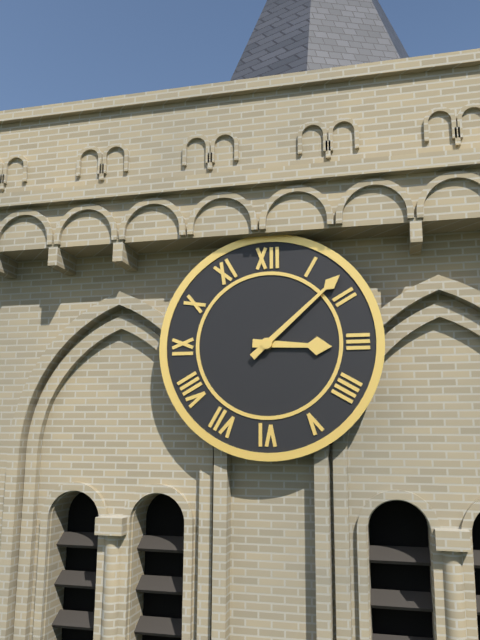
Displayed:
3:08
